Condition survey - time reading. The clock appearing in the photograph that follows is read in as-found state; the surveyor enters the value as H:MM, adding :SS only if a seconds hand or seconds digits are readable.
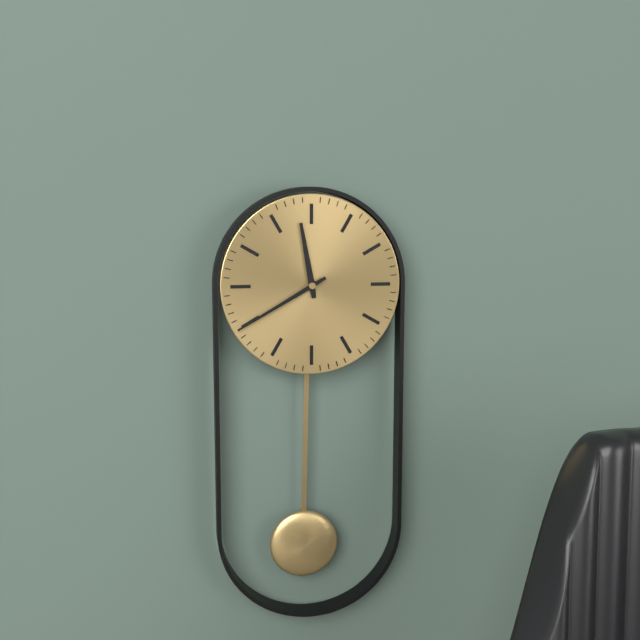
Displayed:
11:40
